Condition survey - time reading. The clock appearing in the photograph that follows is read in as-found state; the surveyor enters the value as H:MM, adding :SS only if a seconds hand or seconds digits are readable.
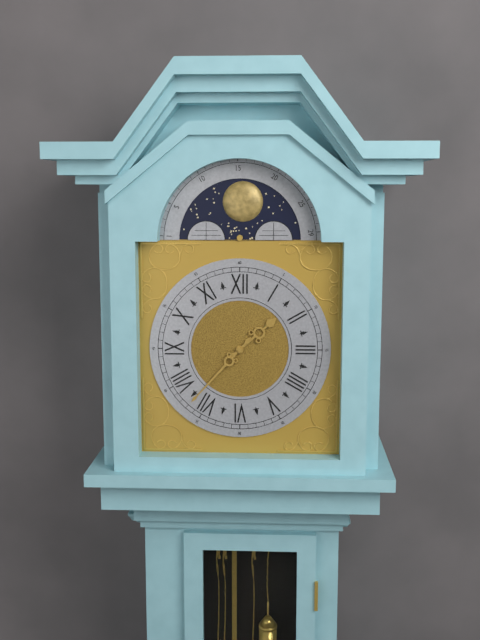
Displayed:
1:37
